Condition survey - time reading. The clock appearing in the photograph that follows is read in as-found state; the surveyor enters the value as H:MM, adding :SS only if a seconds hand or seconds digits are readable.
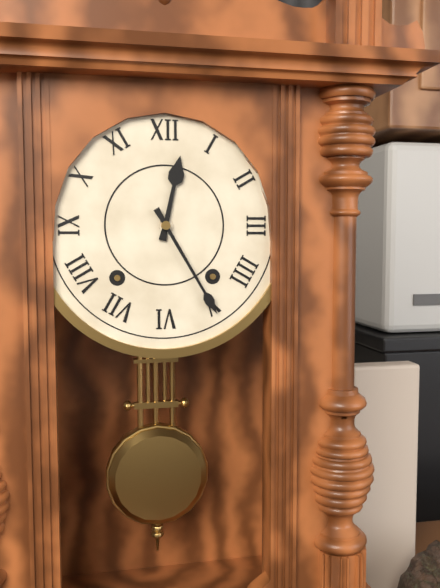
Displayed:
12:25
